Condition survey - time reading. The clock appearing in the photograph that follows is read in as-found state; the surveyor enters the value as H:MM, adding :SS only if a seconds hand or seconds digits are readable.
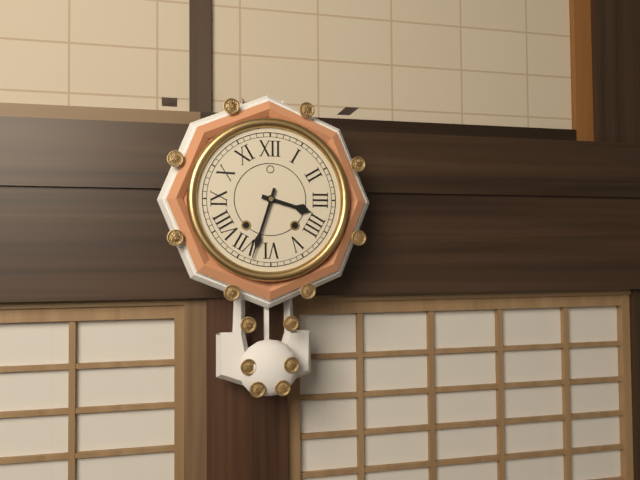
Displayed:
3:33
